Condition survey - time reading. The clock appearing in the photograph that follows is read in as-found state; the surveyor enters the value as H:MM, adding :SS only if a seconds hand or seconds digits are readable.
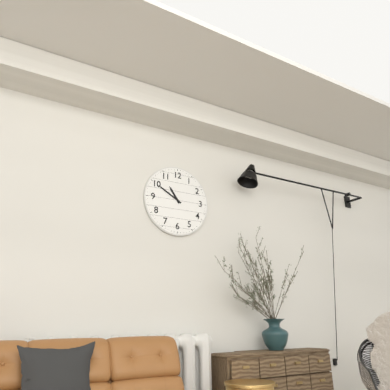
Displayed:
10:50
